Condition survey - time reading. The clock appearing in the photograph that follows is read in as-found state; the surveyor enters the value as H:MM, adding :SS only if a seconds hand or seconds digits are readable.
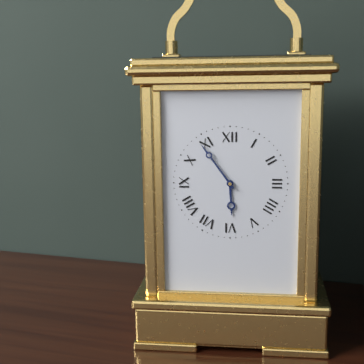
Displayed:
5:54
